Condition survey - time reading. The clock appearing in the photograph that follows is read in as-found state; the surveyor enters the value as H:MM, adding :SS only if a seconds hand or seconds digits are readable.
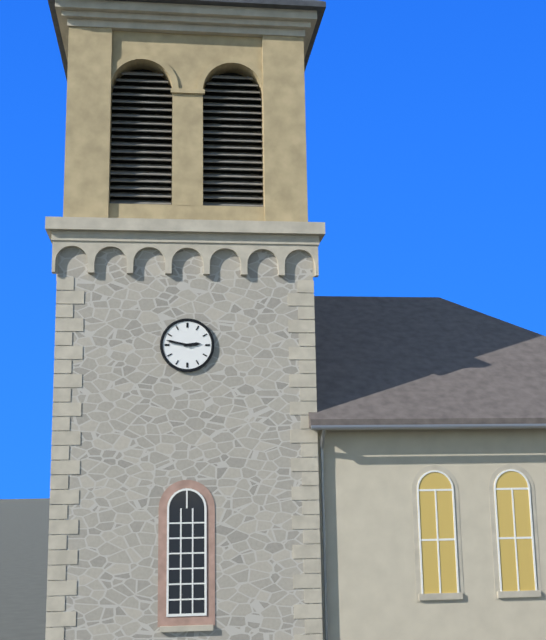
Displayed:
2:47
